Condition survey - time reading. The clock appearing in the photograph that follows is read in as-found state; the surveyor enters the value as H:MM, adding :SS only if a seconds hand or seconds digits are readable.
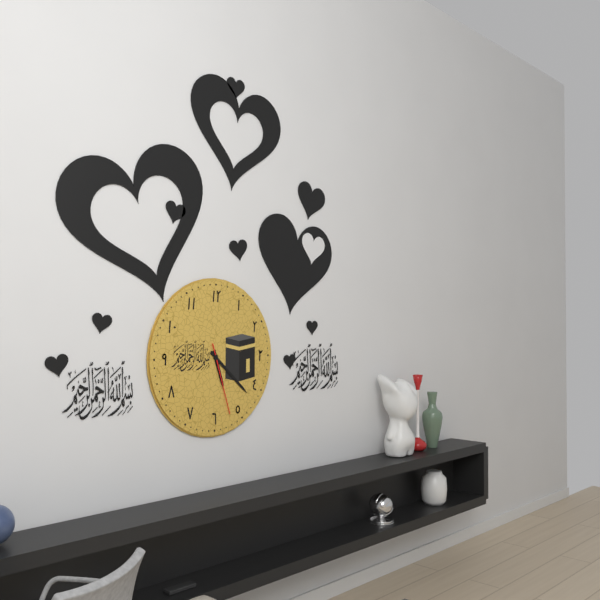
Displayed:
5:22:27
